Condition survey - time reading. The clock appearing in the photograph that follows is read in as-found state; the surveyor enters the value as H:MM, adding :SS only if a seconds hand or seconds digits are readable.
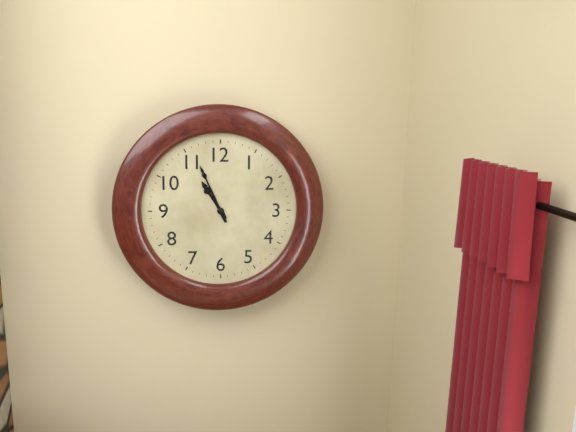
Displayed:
10:56
